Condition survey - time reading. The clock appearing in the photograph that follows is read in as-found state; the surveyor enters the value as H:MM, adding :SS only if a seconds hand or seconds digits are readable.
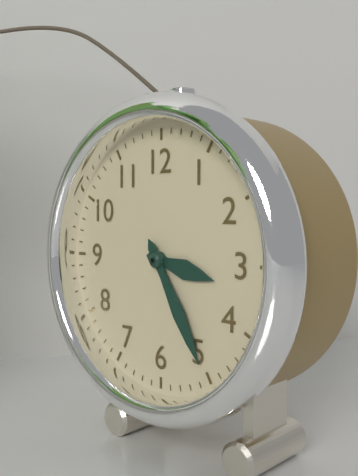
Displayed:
3:25
